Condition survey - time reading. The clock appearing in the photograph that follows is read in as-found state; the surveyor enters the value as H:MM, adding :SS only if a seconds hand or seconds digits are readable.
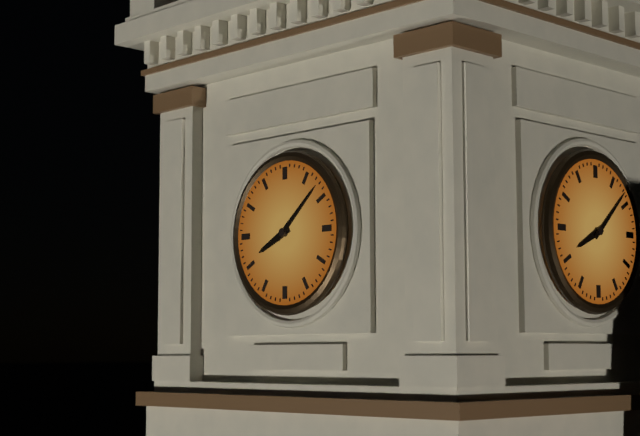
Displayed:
8:08
